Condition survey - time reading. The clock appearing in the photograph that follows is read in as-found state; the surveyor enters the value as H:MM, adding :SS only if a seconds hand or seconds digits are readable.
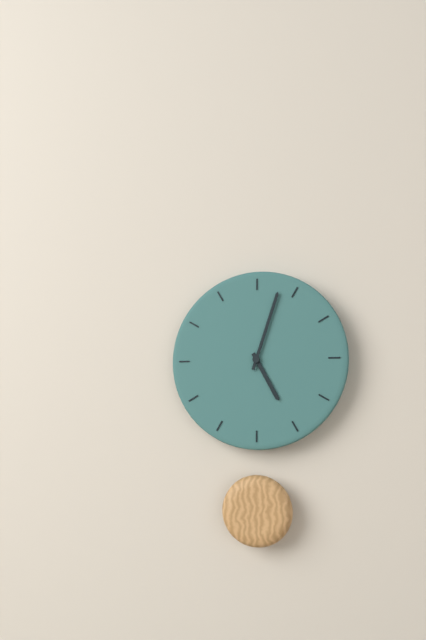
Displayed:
5:03
